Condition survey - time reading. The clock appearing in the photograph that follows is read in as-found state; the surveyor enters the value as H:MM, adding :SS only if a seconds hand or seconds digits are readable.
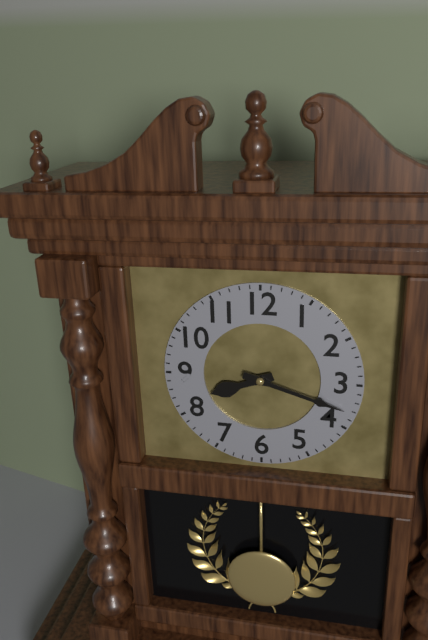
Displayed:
8:18
